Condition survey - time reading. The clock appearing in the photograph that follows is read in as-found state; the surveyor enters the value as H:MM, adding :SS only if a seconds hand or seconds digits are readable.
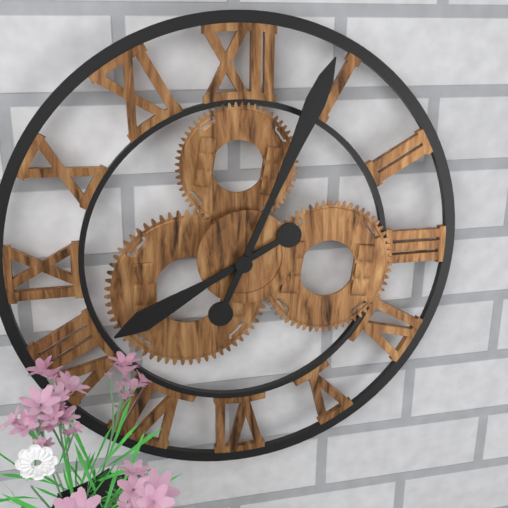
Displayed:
8:04
